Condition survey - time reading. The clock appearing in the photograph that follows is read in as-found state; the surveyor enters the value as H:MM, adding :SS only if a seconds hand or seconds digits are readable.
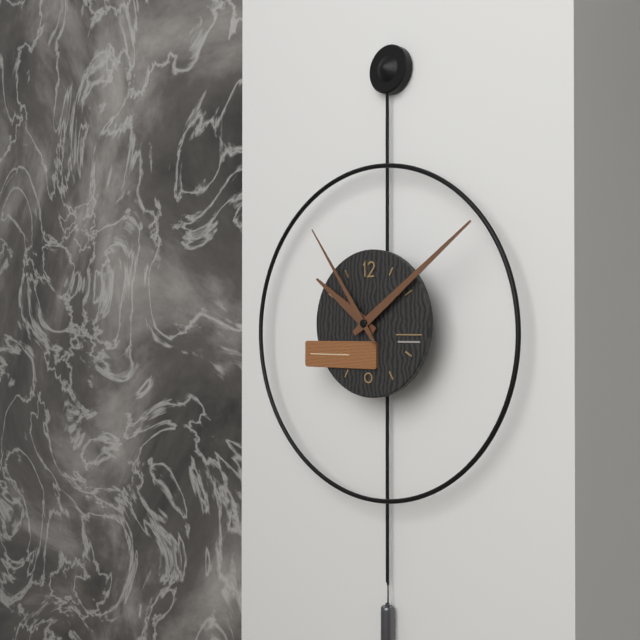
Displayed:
10:09:54
